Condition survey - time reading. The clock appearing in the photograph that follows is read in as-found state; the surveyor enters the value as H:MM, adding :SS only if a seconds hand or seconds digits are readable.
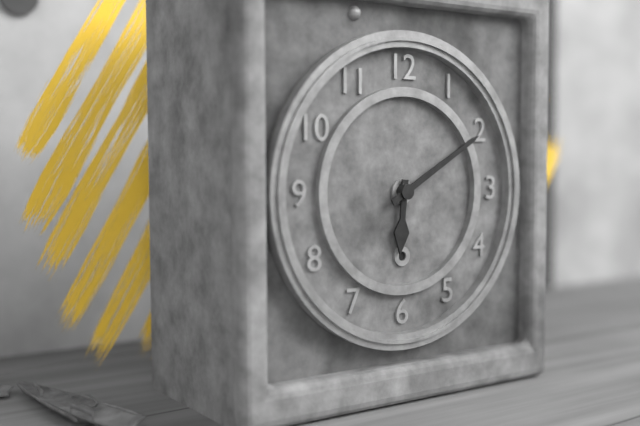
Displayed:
6:10
